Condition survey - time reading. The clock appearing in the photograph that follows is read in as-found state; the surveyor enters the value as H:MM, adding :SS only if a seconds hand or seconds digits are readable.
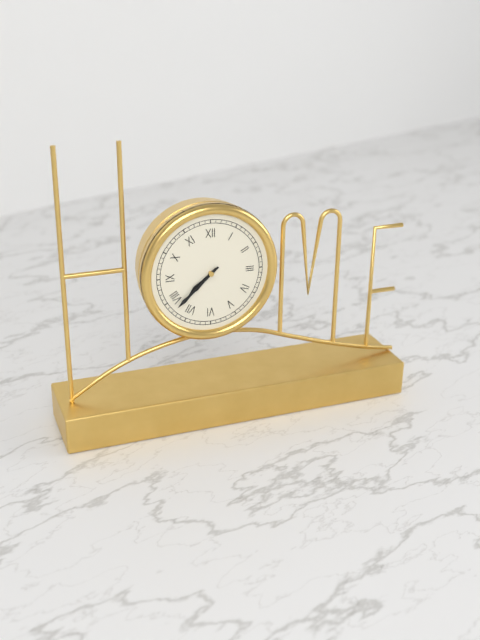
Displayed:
7:38
